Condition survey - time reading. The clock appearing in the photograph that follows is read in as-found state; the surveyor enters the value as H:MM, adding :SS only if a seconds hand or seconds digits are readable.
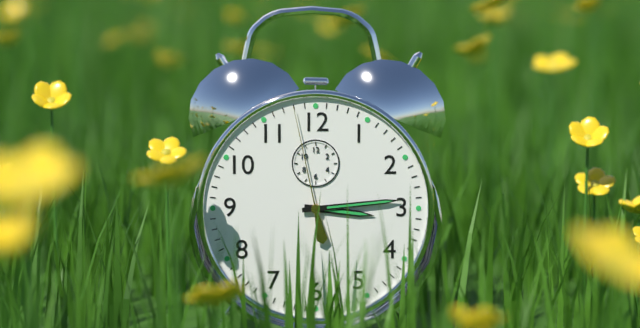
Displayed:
3:14:58
